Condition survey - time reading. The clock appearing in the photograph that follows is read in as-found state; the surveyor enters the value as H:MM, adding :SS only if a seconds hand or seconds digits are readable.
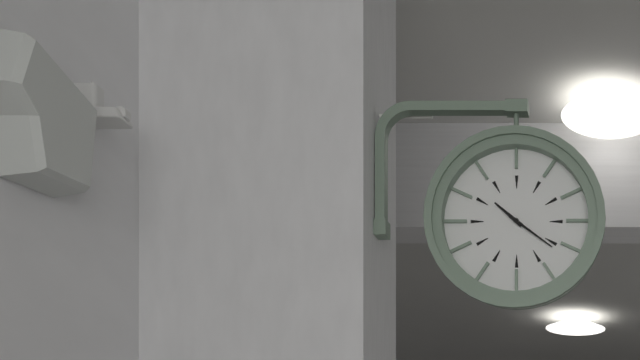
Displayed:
10:21
